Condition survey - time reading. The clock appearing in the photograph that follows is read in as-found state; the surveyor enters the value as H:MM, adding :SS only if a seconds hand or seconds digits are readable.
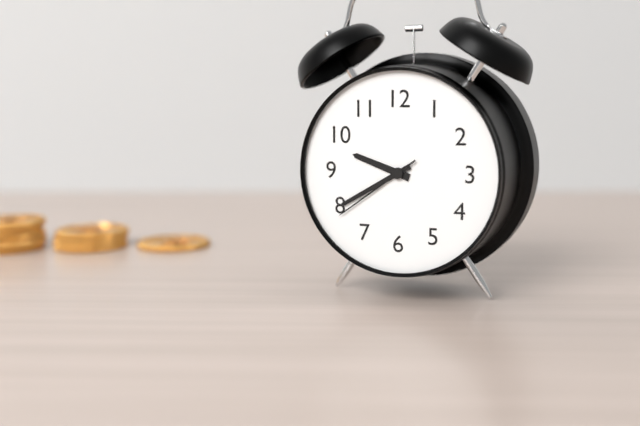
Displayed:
9:40:39
